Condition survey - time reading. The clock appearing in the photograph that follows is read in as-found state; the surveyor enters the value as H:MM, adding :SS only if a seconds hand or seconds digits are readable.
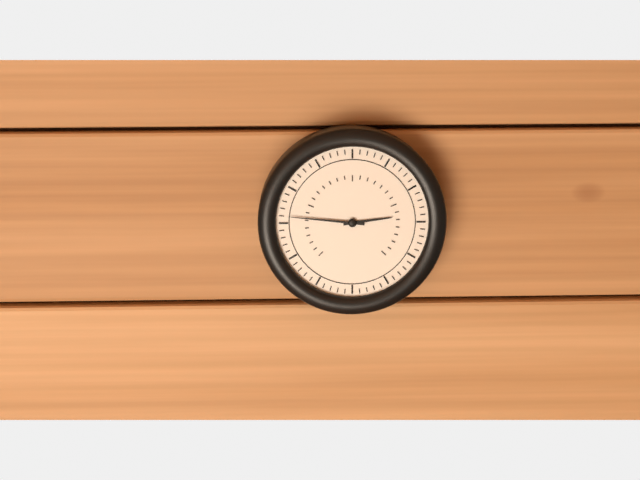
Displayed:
2:46
